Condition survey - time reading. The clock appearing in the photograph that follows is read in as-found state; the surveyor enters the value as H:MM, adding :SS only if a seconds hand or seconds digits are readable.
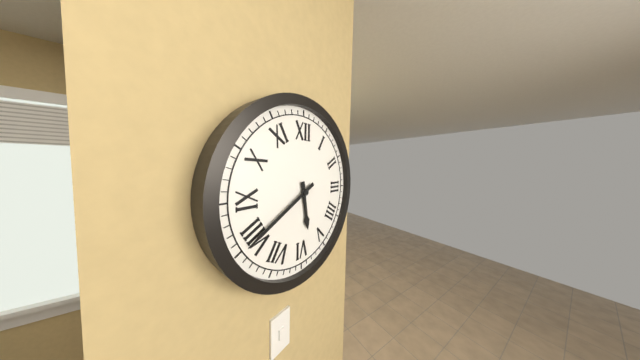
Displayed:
5:40
